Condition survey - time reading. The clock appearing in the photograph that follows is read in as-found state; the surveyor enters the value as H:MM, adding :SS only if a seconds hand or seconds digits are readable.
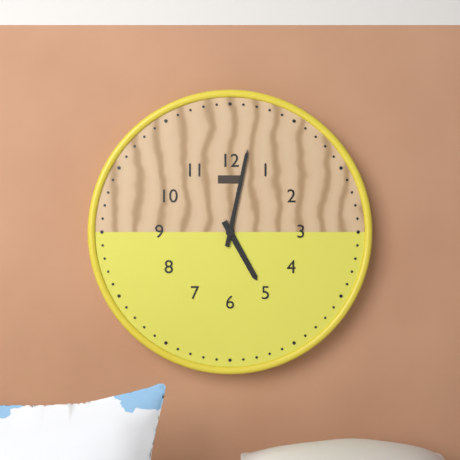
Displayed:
5:02
